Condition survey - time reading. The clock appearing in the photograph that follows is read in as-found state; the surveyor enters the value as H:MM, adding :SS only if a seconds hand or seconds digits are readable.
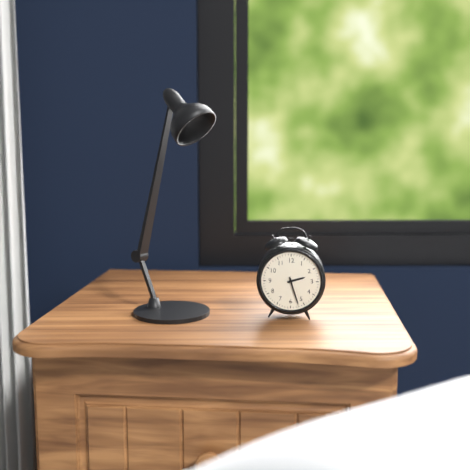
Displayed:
2:27
